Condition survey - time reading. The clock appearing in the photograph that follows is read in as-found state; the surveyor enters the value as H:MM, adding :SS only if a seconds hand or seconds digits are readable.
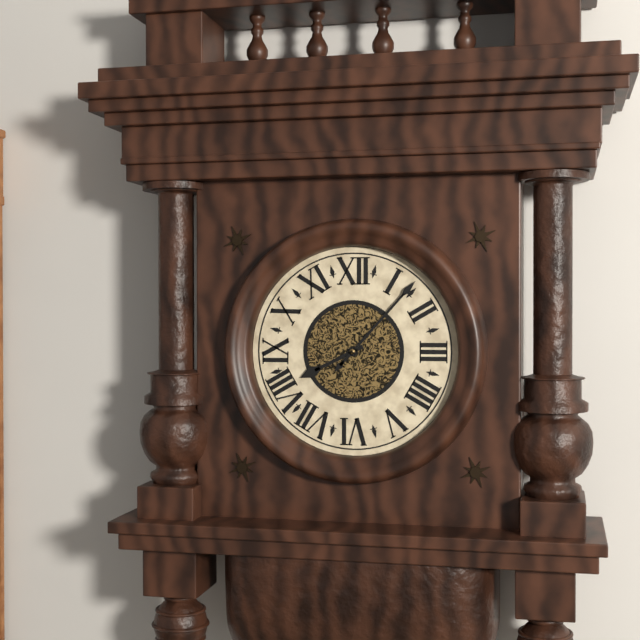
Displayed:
8:07
